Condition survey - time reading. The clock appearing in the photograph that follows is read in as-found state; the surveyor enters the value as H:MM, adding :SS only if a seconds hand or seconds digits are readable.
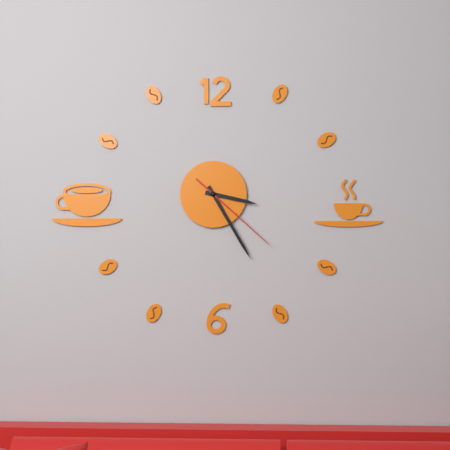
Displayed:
3:25:22
